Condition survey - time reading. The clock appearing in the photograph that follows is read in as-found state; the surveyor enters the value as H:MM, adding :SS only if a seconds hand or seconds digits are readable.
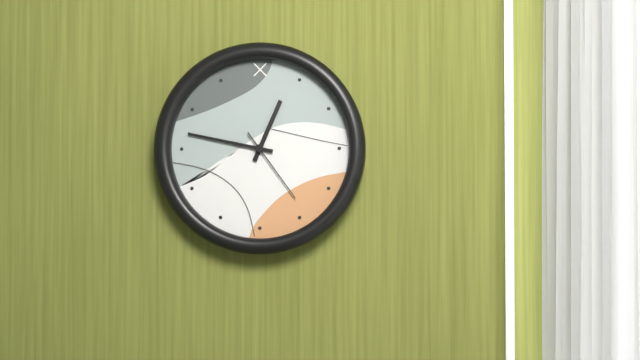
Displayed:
12:47:24
